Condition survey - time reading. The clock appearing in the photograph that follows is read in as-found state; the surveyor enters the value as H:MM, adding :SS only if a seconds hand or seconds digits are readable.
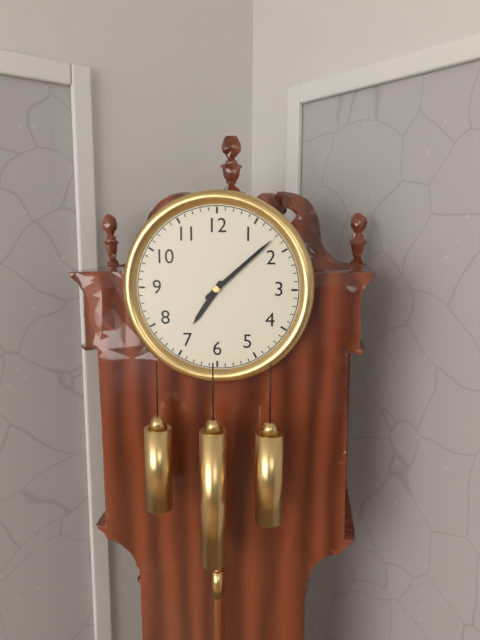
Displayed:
7:08
